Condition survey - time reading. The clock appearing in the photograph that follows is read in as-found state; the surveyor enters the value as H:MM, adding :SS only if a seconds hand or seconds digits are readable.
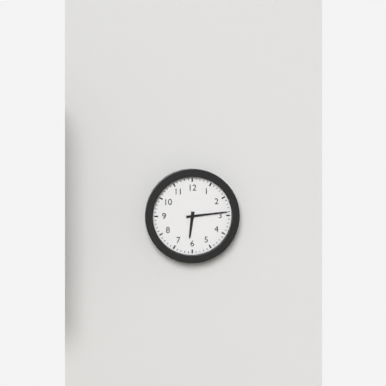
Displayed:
6:14
